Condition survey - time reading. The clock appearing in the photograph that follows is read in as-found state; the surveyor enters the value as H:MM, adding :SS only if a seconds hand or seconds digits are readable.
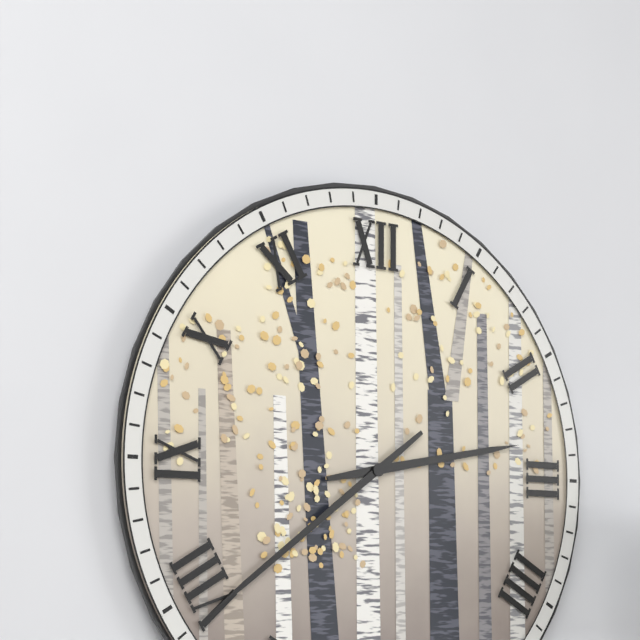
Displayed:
2:39
